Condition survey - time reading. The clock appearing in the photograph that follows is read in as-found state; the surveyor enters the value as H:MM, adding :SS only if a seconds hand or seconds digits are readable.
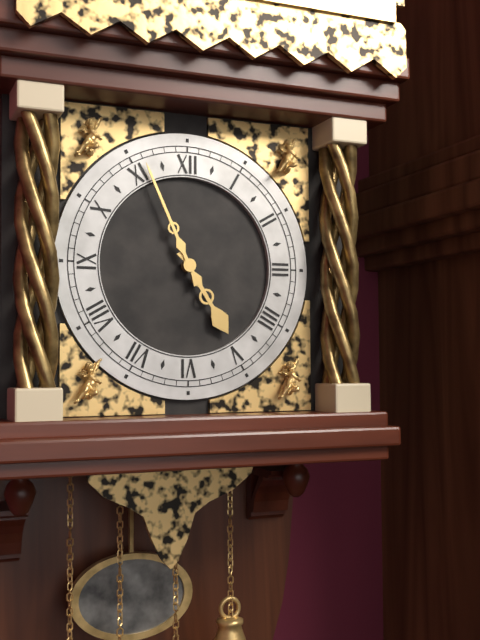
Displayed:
4:56
